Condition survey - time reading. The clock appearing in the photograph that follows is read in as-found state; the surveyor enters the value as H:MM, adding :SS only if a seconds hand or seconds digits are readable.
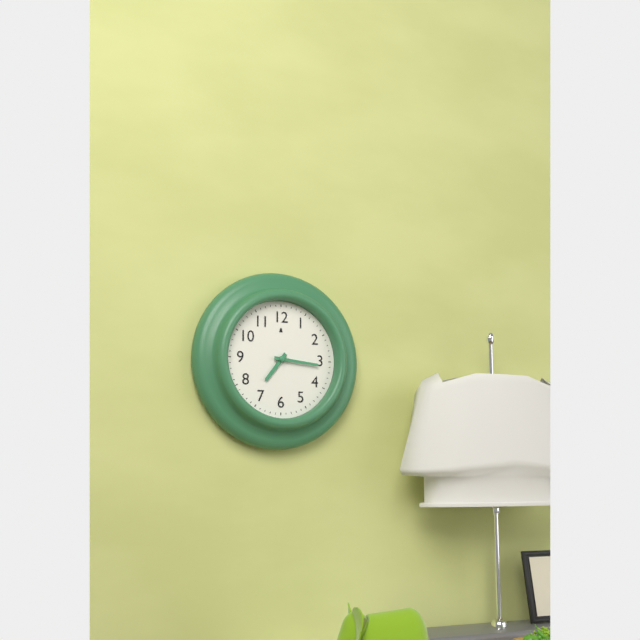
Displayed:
7:16
